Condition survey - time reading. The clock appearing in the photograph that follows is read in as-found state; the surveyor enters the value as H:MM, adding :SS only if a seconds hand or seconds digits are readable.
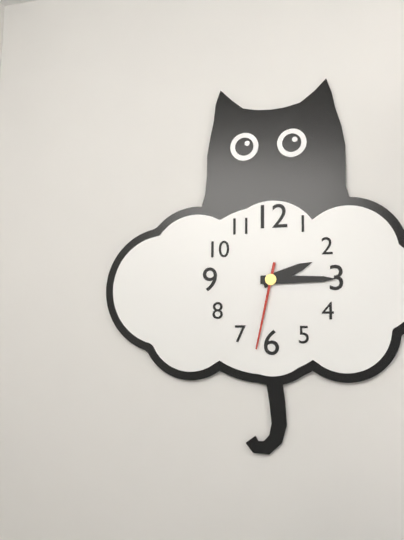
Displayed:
2:15:32
